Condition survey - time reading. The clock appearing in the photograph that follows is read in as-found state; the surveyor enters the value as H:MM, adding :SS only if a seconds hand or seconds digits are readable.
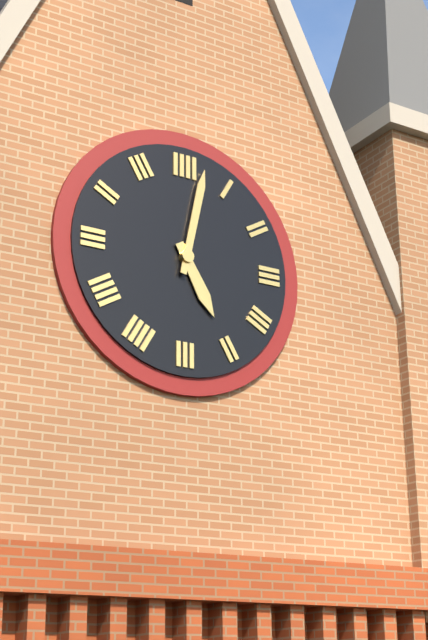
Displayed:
5:02
